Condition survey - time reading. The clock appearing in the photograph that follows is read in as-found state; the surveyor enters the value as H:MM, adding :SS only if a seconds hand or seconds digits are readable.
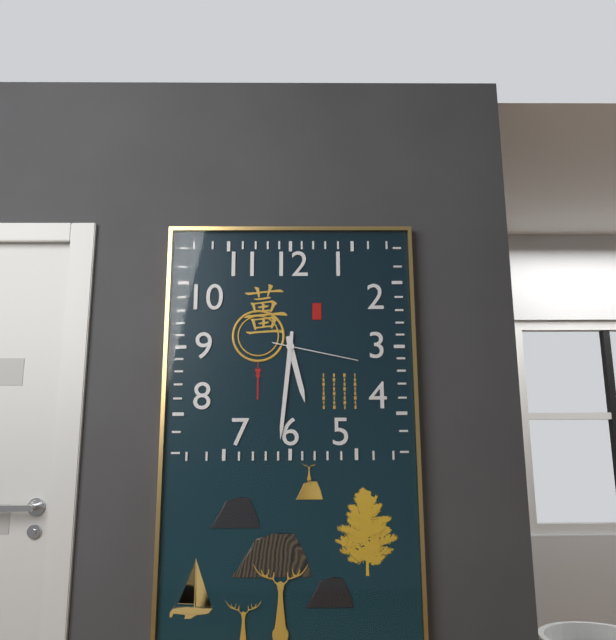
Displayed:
5:31:17
